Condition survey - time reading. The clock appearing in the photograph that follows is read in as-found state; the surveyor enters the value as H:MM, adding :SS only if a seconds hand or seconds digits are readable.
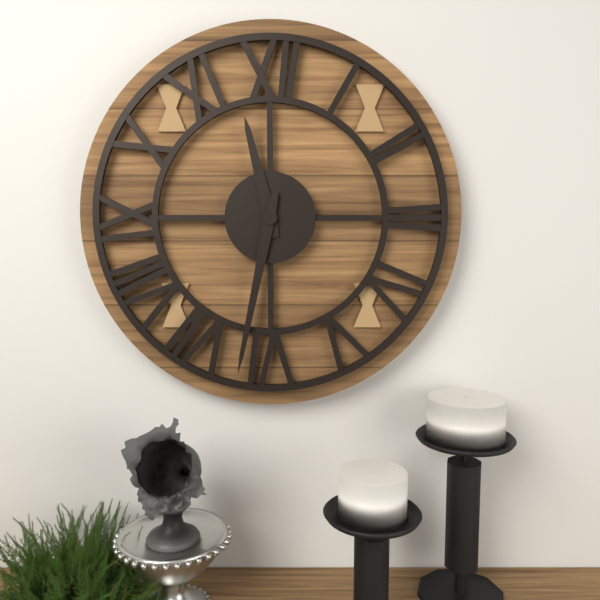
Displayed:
11:32
